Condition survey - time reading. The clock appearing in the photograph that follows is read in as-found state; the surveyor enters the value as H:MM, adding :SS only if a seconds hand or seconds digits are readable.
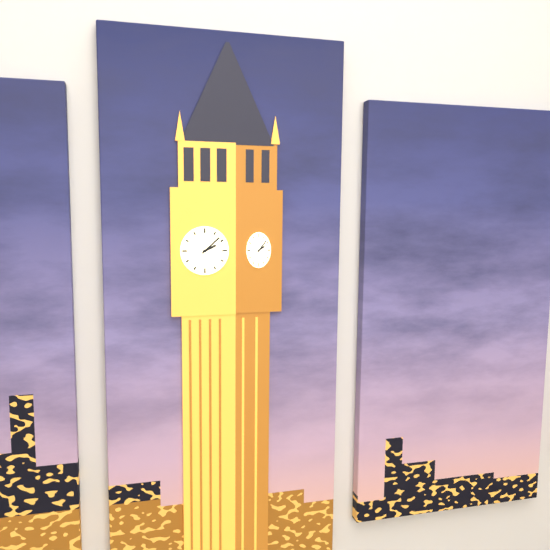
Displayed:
2:08
